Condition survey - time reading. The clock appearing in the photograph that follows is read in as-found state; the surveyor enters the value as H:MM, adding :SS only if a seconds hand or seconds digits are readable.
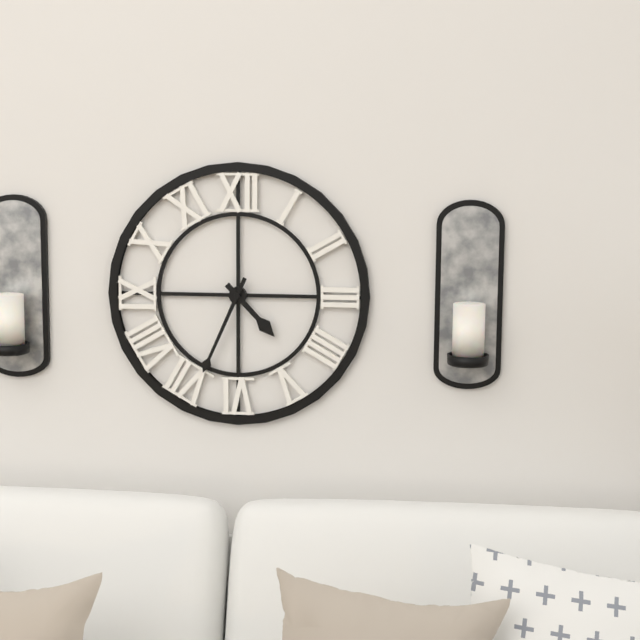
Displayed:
4:34
